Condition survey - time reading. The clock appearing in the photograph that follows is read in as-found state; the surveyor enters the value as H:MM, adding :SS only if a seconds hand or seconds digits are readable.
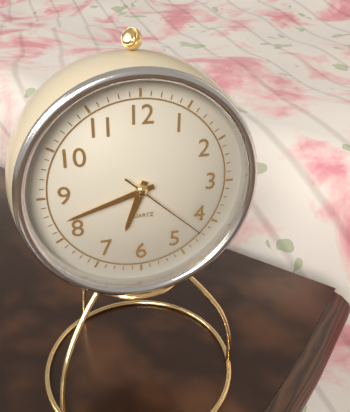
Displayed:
6:42:22
